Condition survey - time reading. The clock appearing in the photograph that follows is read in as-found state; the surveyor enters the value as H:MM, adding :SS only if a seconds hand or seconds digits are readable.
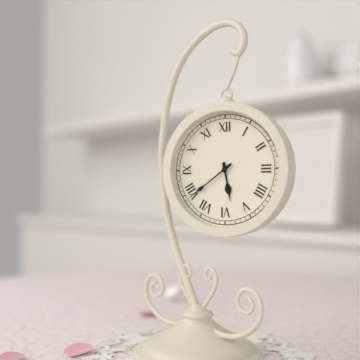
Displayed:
5:39
